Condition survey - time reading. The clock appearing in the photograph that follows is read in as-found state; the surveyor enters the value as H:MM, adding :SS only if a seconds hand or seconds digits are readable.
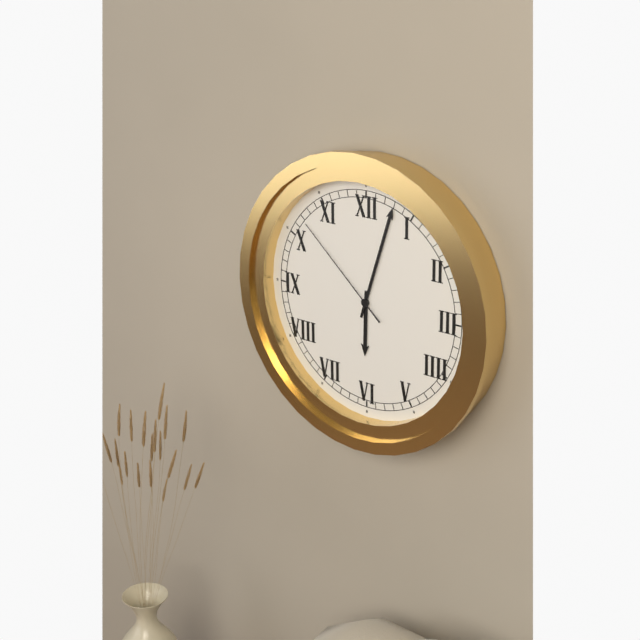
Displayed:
6:03:52
